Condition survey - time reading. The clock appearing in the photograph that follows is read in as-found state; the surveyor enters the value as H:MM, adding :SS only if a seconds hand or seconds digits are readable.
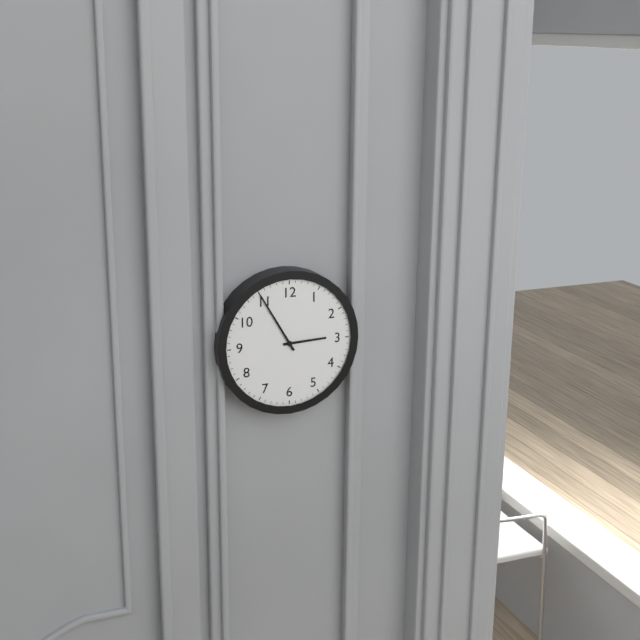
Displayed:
2:55
